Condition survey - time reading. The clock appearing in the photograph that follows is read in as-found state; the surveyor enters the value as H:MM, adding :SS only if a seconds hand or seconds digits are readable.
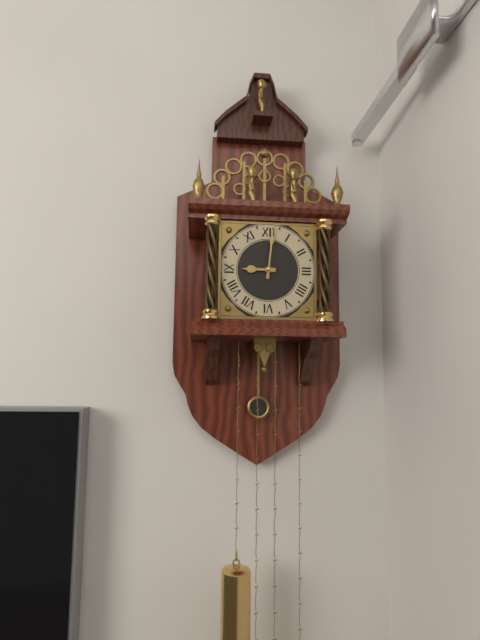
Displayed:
9:01
